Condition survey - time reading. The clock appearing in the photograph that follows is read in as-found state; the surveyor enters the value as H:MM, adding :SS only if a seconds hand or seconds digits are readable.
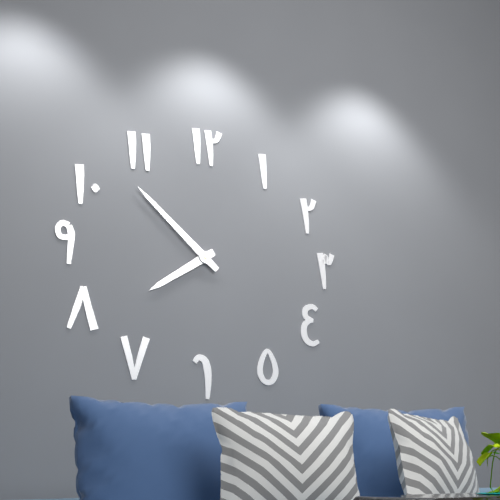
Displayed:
7:52
